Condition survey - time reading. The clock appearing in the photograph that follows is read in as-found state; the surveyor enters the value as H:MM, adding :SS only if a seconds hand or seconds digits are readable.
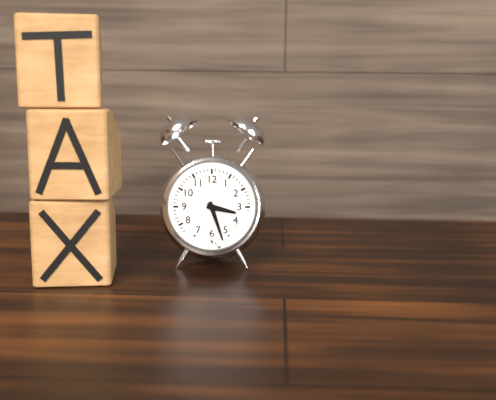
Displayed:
3:27
